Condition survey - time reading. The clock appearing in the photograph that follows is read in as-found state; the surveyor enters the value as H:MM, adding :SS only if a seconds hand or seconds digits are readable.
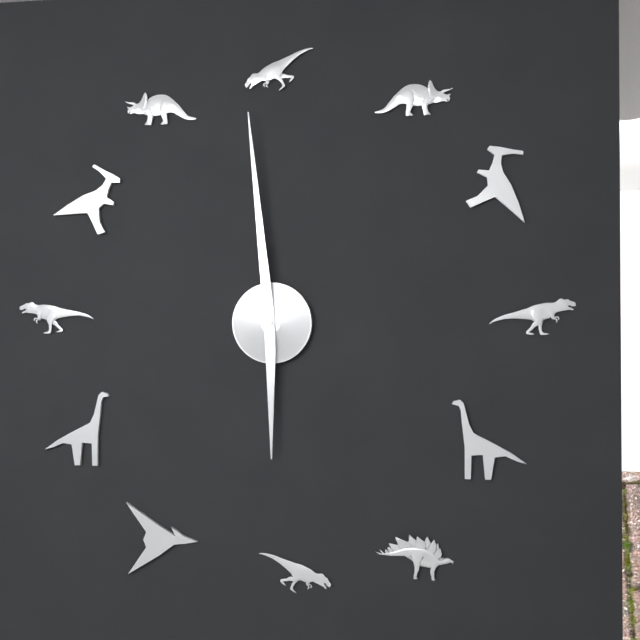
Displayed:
5:59
